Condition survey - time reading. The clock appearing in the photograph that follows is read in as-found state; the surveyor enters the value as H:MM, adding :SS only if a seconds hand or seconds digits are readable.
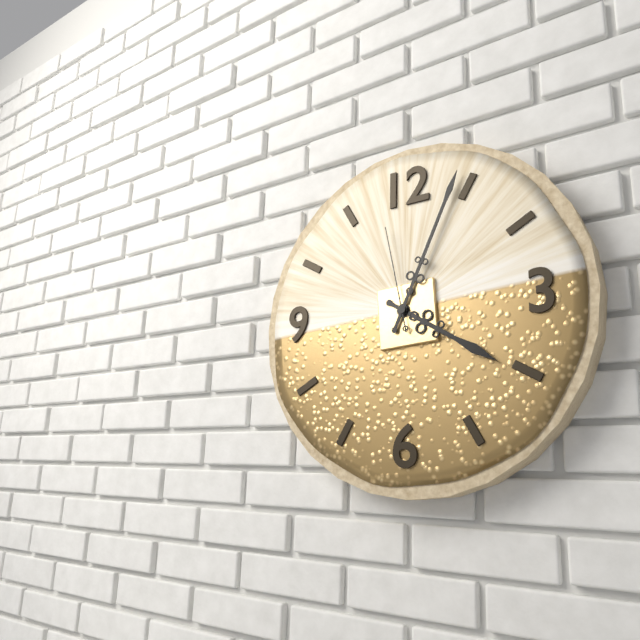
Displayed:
4:04:58
